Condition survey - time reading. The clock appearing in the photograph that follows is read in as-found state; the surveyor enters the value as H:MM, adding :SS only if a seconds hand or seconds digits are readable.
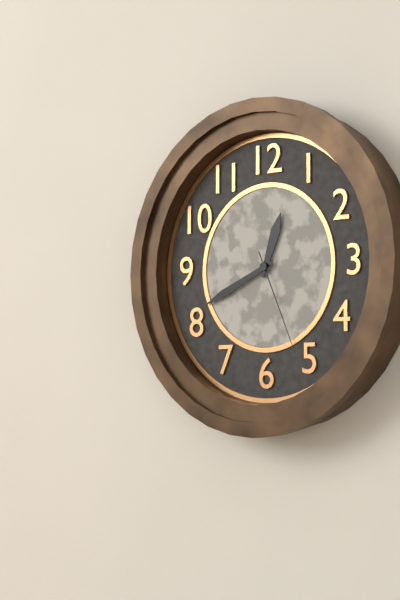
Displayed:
12:41:26
